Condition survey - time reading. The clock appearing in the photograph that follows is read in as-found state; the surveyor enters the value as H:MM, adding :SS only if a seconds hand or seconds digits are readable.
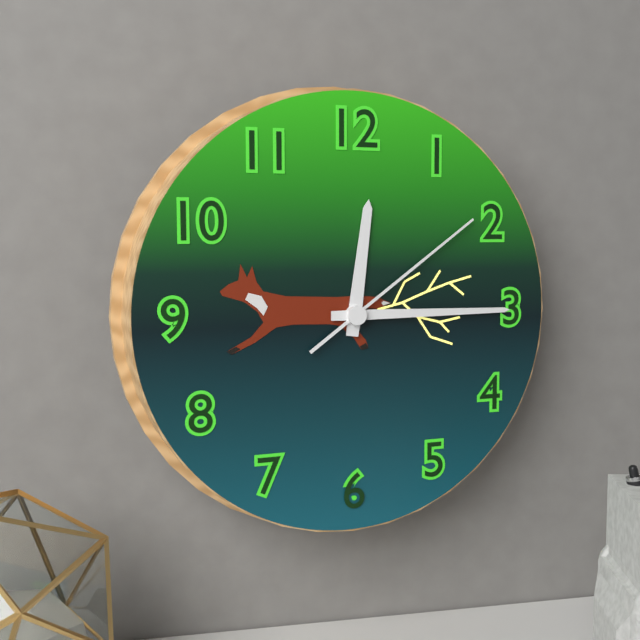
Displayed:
12:15:09
